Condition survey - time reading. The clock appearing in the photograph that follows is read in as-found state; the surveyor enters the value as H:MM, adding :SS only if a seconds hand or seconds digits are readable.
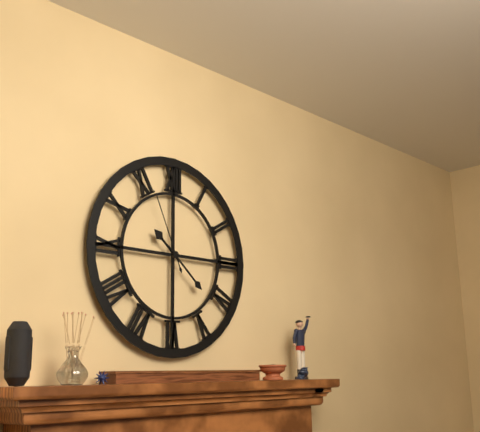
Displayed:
10:22:56
